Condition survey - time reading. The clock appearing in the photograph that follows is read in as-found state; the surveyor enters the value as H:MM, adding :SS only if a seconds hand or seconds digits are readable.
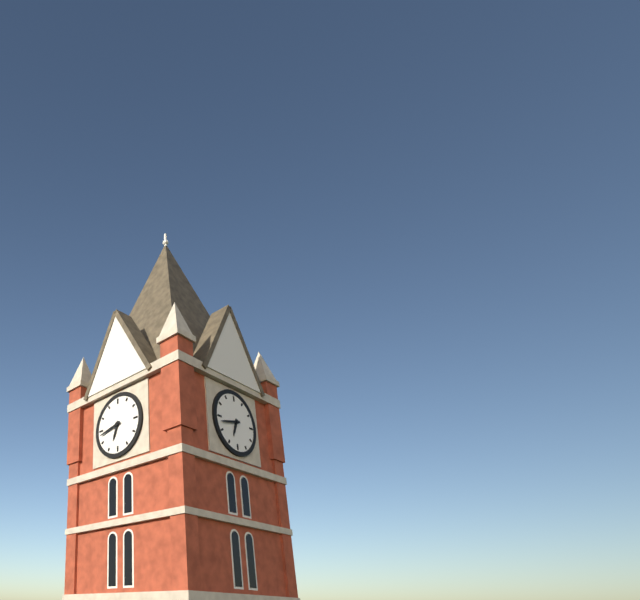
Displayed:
6:43
